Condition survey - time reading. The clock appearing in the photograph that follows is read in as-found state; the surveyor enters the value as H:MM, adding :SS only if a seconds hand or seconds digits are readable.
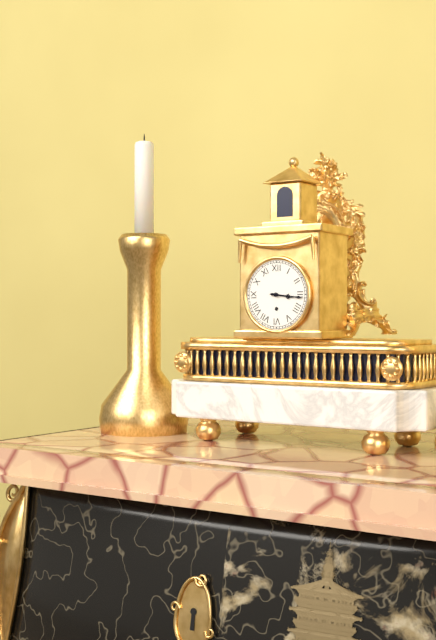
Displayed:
3:16
